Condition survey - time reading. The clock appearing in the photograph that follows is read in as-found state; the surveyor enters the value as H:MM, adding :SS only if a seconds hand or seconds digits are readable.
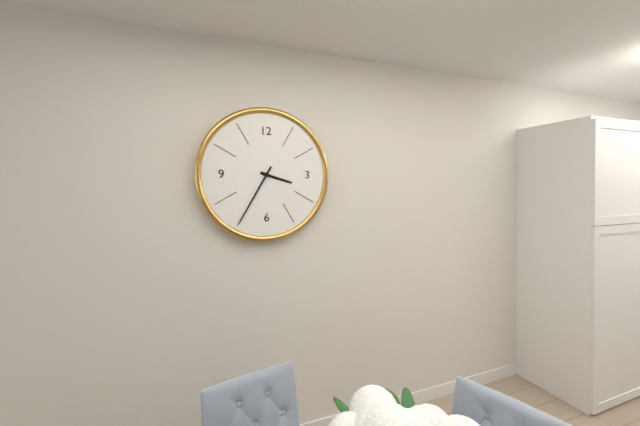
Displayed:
3:35
